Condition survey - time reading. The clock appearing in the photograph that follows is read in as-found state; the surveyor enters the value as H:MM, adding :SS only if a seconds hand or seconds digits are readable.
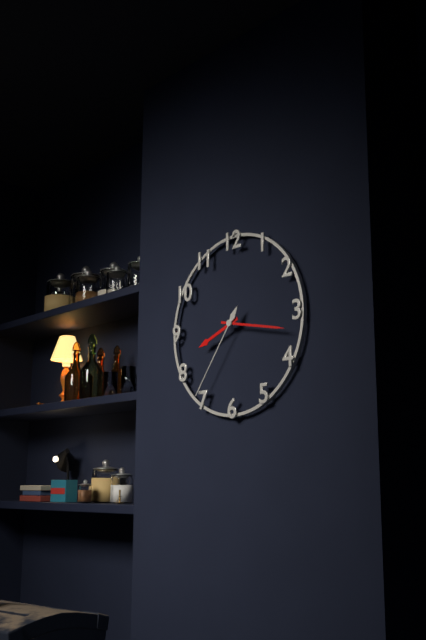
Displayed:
8:17:36
